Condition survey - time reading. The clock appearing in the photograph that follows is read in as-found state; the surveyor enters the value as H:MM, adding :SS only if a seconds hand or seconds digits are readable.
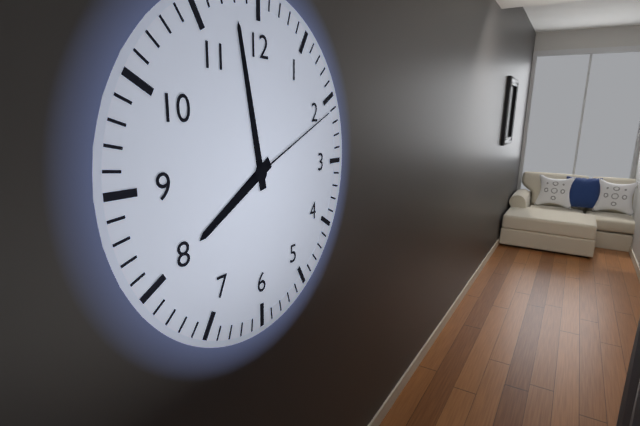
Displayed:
7:58:11
